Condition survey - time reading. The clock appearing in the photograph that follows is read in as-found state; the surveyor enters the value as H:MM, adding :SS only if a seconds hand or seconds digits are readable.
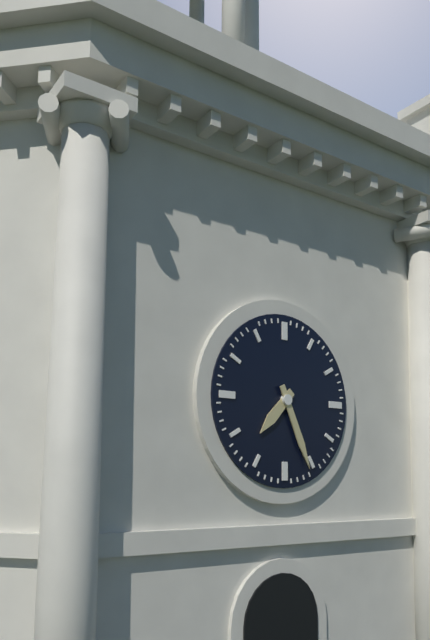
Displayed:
7:26
